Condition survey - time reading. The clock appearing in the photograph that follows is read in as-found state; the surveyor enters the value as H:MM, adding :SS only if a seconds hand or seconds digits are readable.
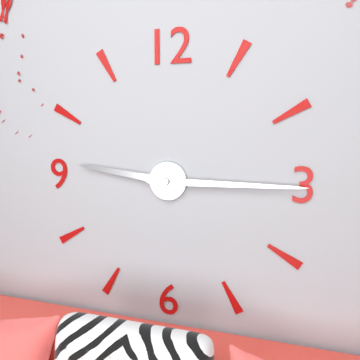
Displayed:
9:15
